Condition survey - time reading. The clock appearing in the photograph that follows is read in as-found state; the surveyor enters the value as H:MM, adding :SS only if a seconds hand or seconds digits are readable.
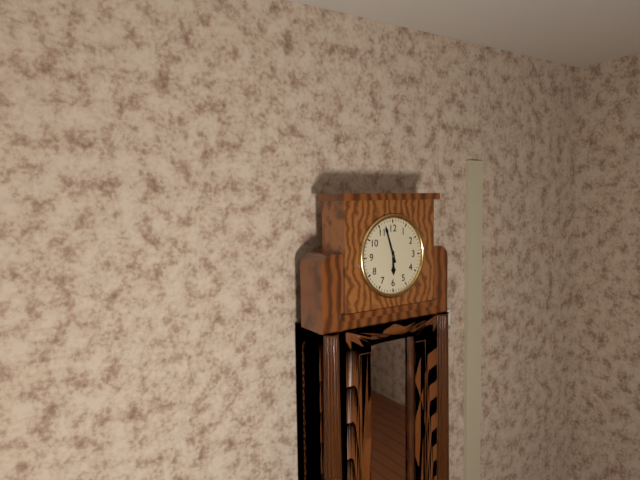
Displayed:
5:57
